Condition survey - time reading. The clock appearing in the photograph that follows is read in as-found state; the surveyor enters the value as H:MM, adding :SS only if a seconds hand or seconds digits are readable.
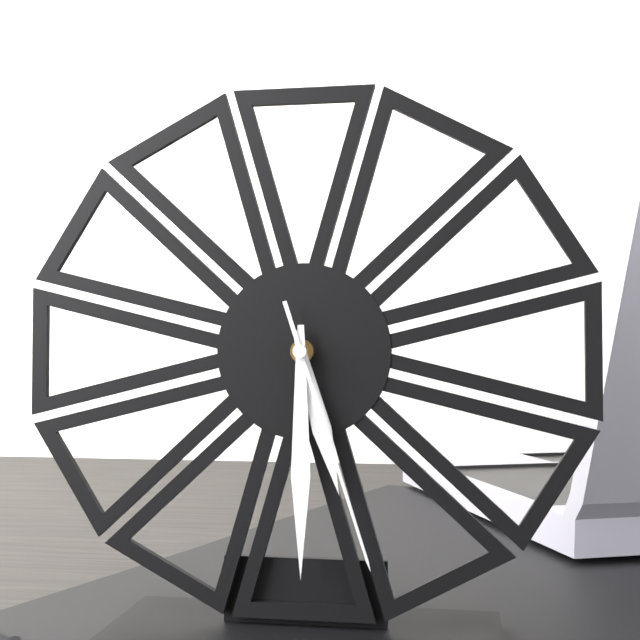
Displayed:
5:30:27
